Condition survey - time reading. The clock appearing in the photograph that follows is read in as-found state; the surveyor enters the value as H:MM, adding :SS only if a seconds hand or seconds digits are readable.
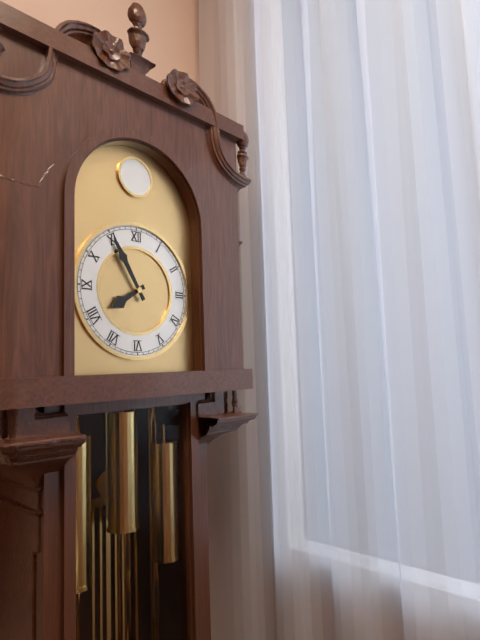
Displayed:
7:55
